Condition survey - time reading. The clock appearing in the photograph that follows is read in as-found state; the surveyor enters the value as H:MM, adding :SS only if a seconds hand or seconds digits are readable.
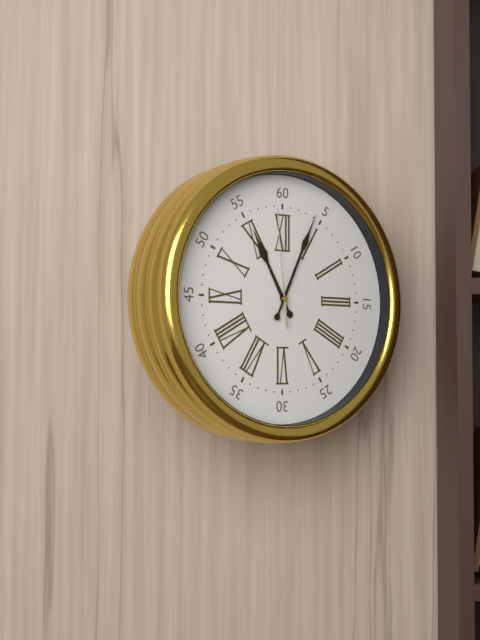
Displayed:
11:04:59
